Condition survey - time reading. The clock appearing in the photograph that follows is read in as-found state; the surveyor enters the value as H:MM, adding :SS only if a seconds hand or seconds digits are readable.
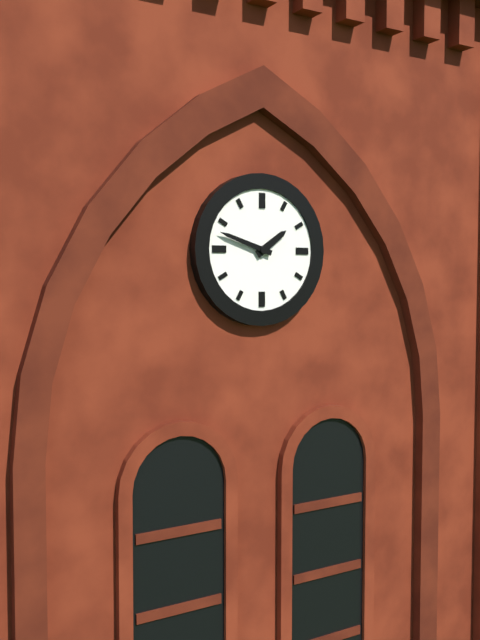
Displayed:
1:48
